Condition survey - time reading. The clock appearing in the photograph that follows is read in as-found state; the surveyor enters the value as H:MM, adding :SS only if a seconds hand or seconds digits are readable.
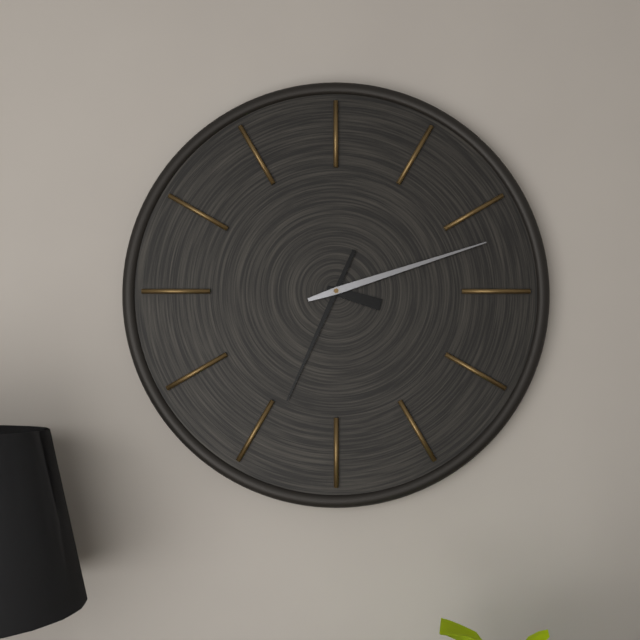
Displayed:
3:34:12
